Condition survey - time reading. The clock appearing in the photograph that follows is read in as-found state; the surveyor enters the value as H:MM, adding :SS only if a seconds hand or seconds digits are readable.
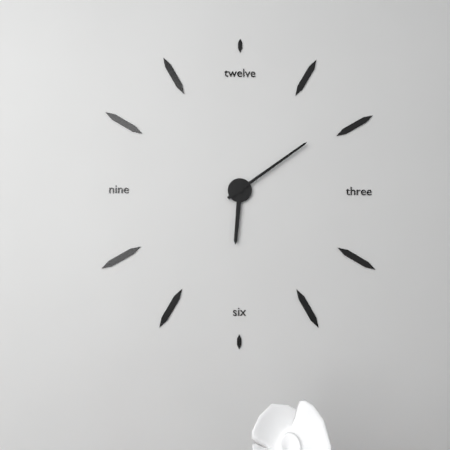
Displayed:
6:09
